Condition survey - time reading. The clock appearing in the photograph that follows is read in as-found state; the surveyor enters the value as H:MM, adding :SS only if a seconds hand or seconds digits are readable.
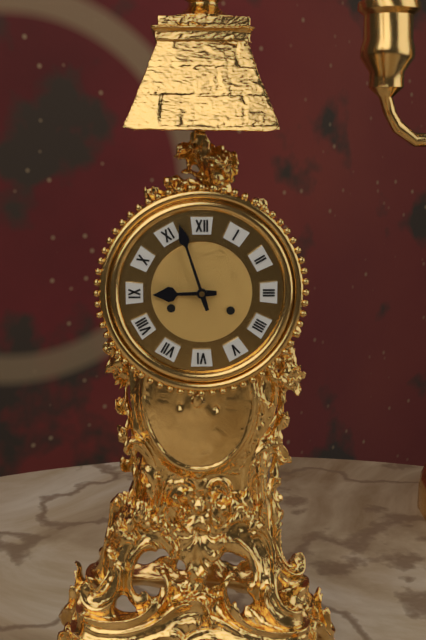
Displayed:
8:57
